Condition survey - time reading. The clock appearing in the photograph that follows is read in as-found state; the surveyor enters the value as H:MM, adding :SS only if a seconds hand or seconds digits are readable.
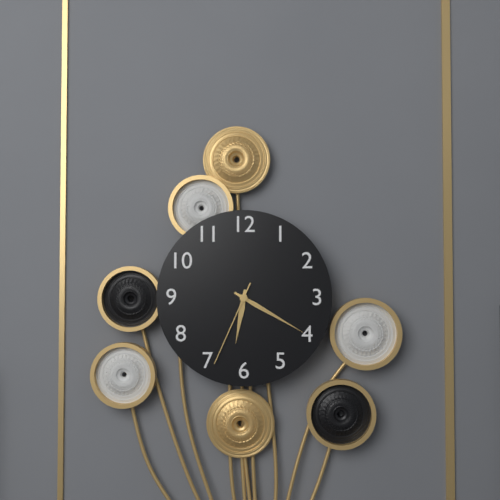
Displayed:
6:20:34
